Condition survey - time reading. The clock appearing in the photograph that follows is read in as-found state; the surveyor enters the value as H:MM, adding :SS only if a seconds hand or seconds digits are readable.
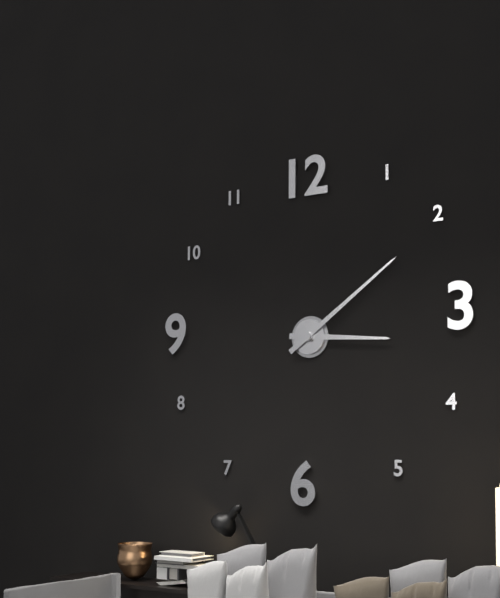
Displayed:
3:09
